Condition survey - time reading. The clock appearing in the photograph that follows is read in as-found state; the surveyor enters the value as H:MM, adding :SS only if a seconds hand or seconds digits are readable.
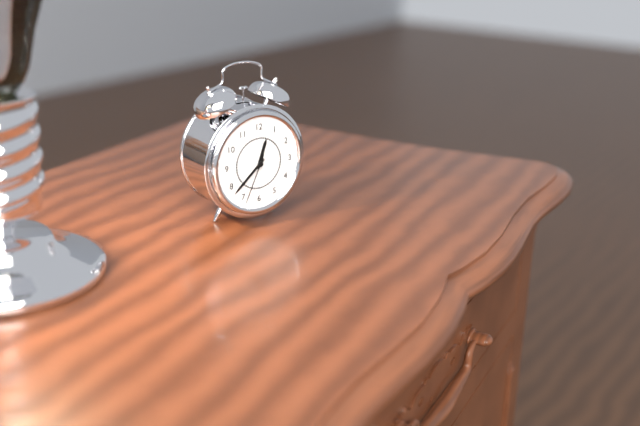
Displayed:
12:38:34
